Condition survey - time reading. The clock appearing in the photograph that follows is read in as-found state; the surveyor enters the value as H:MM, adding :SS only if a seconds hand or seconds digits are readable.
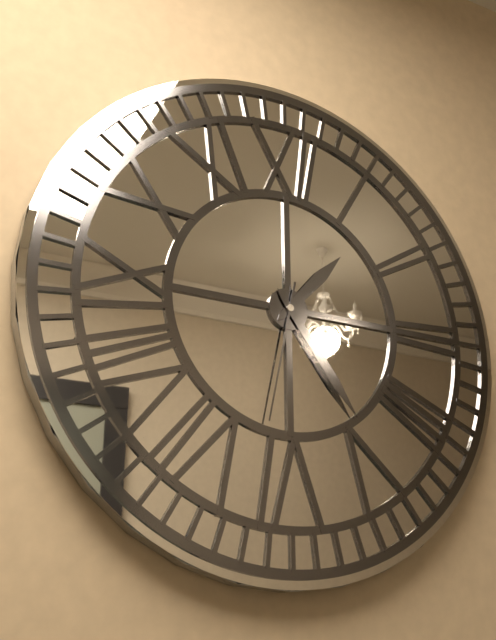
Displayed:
1:24:32
